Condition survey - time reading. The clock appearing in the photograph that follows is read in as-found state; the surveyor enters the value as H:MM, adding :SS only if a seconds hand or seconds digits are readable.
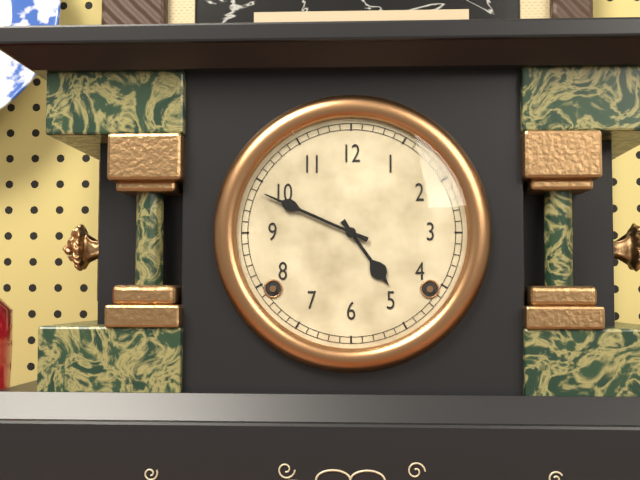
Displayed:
4:49
